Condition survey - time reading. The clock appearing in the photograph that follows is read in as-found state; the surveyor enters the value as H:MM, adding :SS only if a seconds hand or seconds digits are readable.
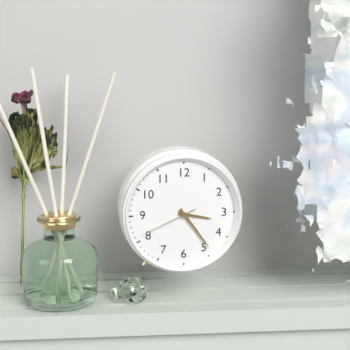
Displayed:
3:24:41
